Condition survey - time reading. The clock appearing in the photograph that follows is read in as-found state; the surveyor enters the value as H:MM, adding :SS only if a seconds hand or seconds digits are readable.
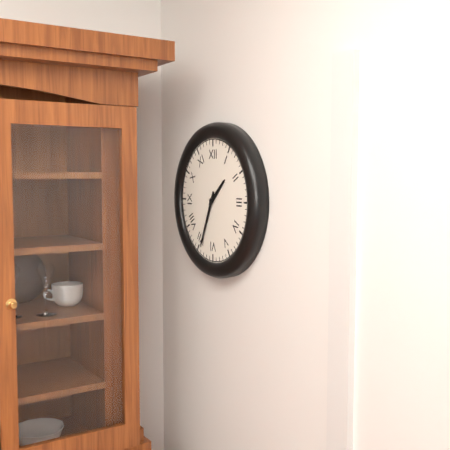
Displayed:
1:34
